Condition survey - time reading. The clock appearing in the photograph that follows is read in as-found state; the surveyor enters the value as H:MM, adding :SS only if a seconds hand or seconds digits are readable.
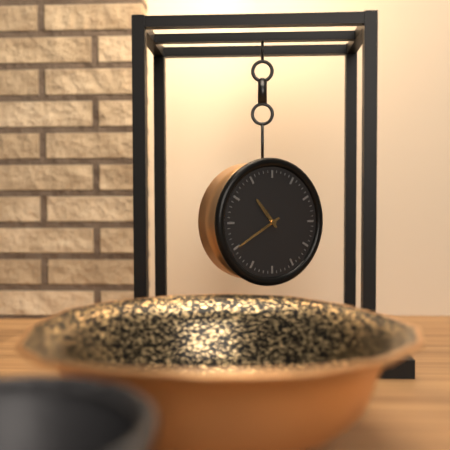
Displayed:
10:40
